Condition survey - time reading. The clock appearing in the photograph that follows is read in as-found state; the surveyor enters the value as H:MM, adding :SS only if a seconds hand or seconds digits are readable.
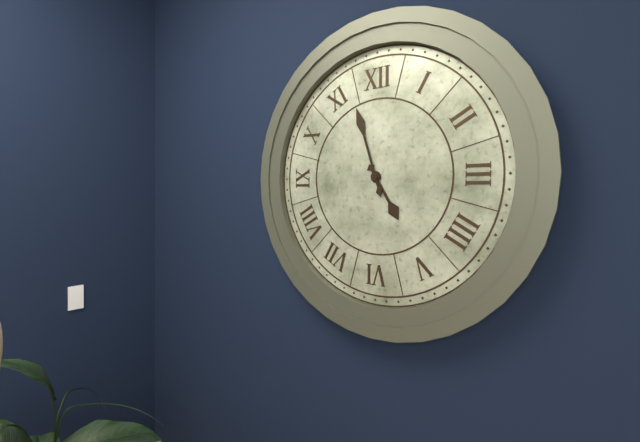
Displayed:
4:57
